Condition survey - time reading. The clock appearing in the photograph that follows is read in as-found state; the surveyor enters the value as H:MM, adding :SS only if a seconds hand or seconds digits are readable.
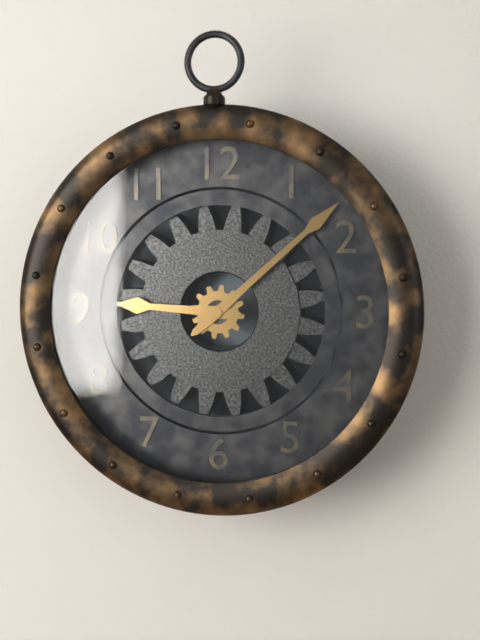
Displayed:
9:08
